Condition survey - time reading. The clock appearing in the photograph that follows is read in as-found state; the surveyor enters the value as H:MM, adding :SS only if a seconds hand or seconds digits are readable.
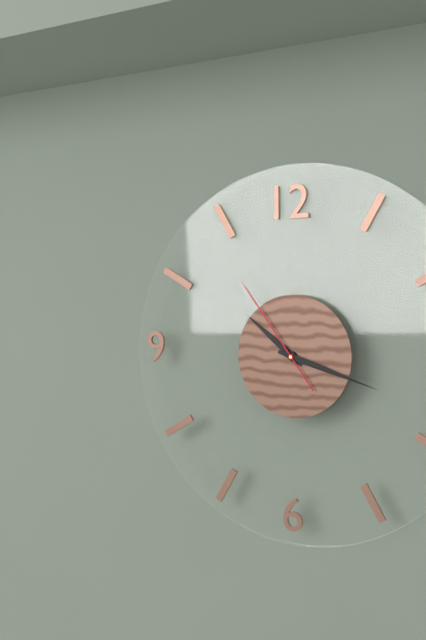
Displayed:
10:18:54
